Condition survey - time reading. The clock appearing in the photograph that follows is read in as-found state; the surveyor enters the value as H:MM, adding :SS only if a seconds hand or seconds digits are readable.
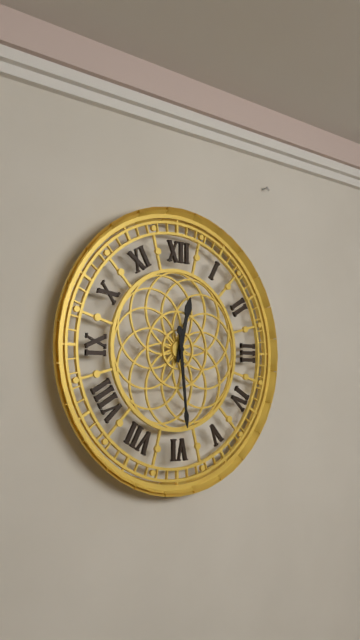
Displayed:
12:29
